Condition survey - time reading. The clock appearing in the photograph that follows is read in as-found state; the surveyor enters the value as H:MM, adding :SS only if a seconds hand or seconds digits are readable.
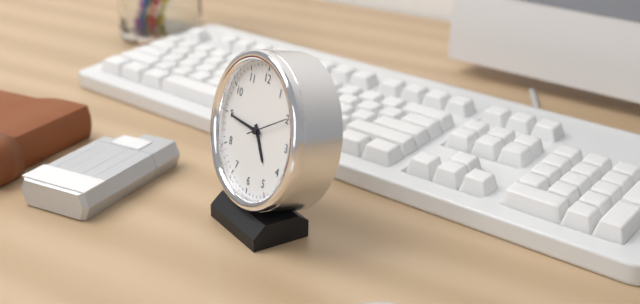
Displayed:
4:45
